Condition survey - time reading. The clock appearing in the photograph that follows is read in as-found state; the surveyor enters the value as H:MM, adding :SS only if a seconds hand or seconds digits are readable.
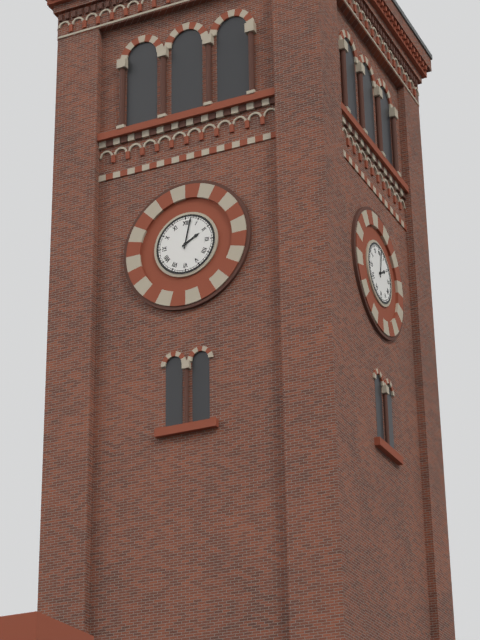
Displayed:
2:02
